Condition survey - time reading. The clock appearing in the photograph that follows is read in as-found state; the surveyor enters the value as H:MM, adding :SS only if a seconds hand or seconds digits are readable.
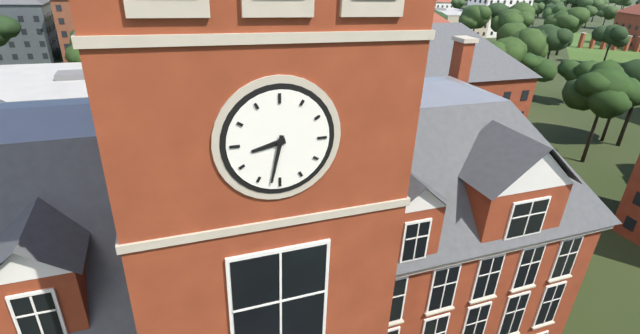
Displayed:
8:32
